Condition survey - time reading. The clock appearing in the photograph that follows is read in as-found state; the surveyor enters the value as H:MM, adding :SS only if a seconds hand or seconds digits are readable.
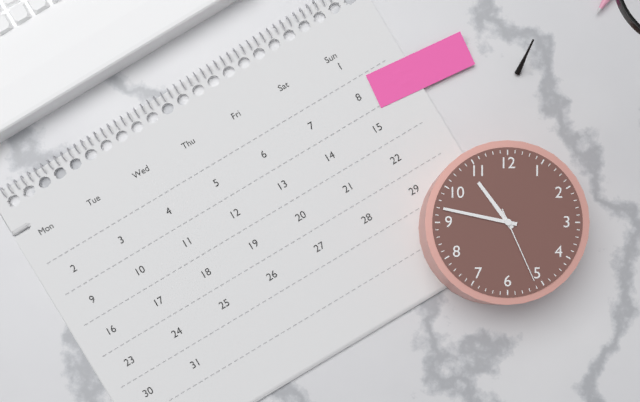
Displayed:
10:47:26
